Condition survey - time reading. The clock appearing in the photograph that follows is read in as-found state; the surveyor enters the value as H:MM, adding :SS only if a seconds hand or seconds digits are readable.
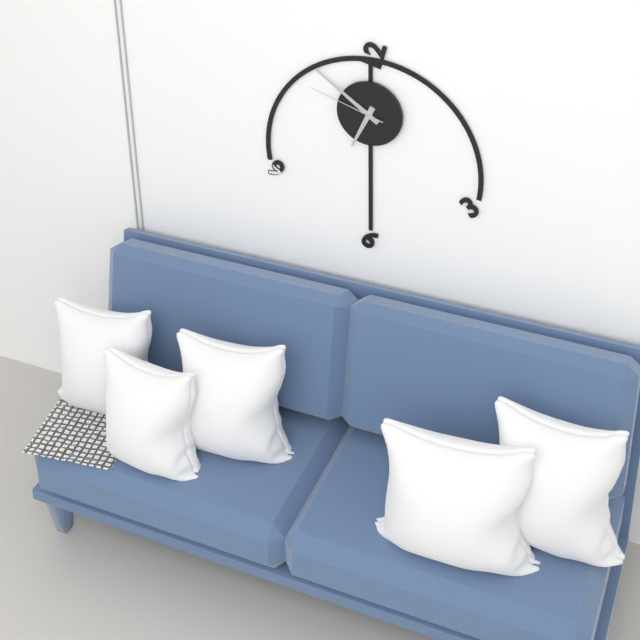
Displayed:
6:51:48
